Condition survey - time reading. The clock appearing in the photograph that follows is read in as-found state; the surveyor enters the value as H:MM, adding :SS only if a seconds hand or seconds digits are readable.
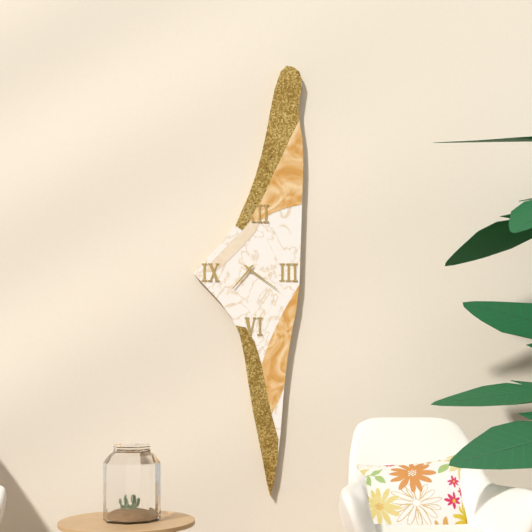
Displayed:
7:21
